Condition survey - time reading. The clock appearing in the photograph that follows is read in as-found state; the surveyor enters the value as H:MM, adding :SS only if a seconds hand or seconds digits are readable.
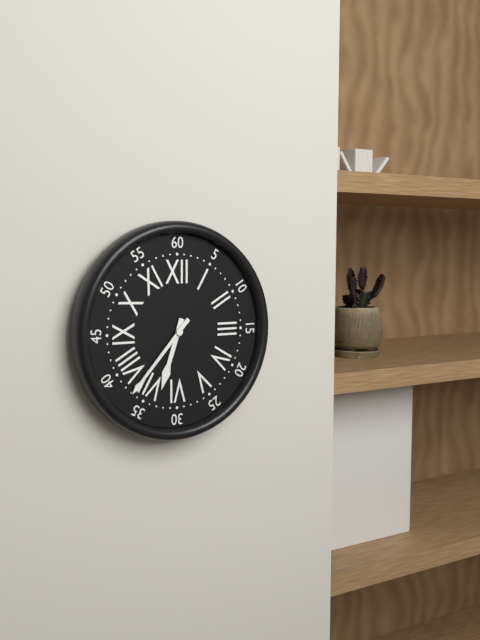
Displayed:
6:37
